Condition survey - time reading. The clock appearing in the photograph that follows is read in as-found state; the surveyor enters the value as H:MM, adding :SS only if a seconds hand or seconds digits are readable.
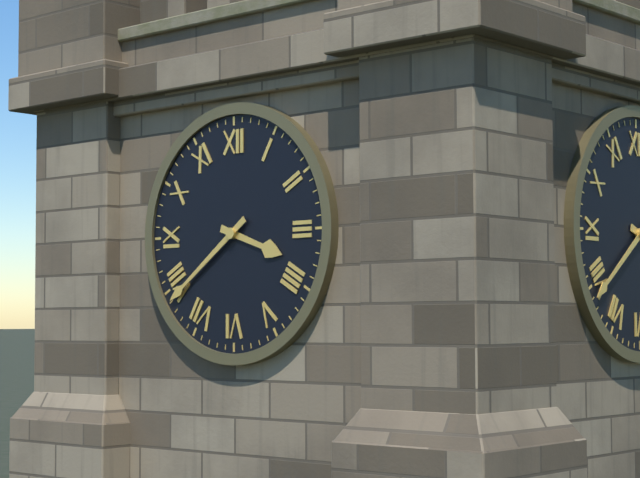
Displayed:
3:39
